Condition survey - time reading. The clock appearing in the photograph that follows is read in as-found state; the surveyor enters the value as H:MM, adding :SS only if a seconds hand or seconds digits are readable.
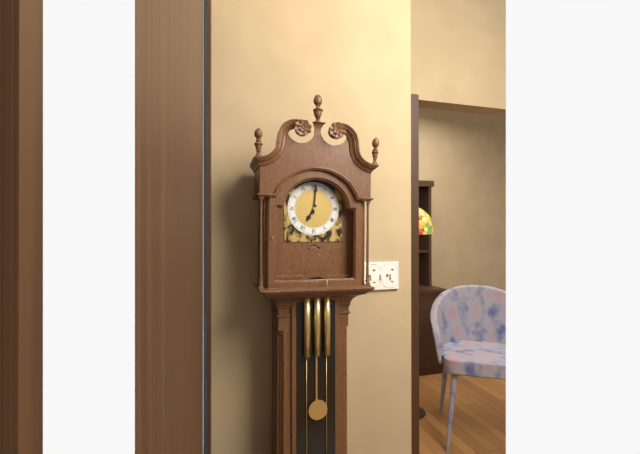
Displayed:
7:01
